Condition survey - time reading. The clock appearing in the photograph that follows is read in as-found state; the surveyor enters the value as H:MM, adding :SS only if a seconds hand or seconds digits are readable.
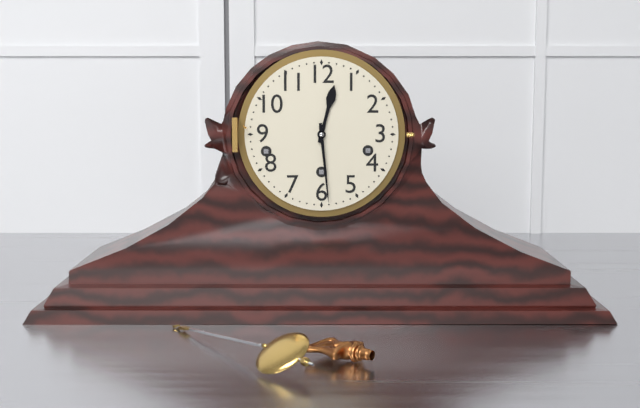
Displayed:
12:29
